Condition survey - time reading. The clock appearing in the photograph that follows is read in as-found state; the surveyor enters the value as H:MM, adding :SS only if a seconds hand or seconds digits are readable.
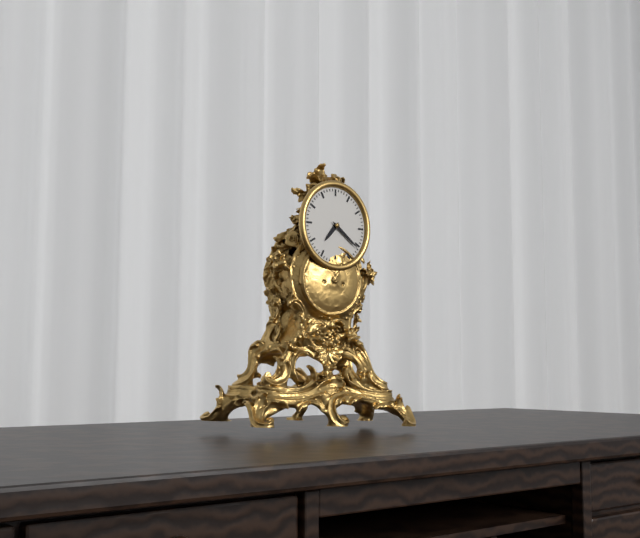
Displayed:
7:21
